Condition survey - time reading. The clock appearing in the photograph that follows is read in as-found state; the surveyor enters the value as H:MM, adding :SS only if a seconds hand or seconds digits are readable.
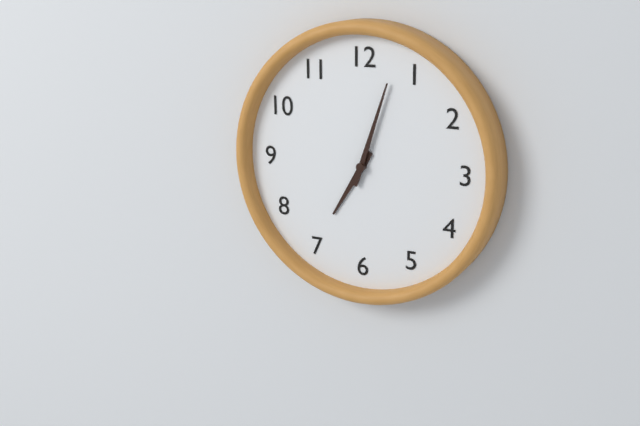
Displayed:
7:03
